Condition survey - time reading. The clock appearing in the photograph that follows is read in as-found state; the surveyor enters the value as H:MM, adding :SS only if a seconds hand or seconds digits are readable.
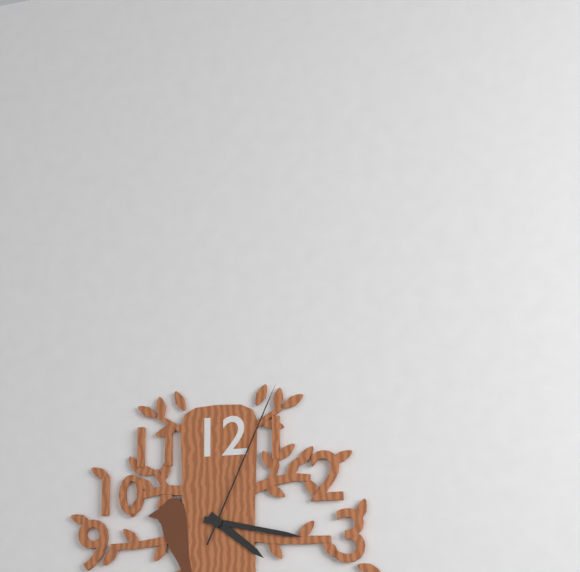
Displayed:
4:17:04
